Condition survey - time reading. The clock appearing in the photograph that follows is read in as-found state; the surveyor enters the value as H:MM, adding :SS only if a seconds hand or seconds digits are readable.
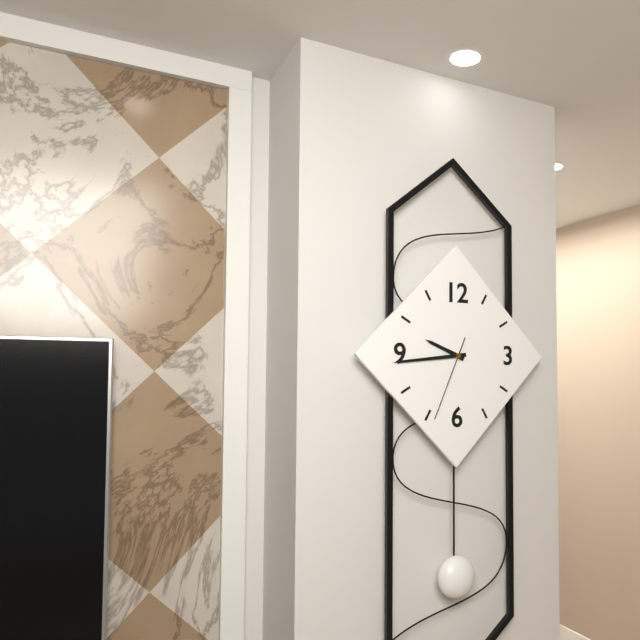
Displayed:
9:44:34
